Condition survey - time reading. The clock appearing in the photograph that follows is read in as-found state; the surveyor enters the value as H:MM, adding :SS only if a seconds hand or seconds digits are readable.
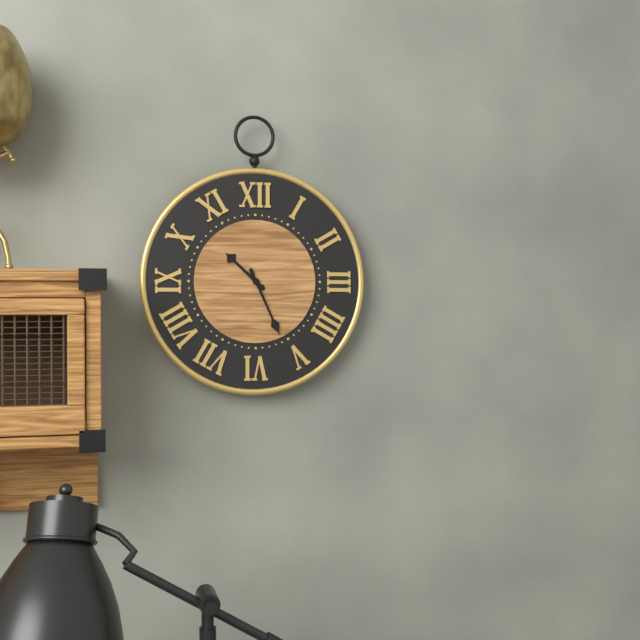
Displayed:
10:26
